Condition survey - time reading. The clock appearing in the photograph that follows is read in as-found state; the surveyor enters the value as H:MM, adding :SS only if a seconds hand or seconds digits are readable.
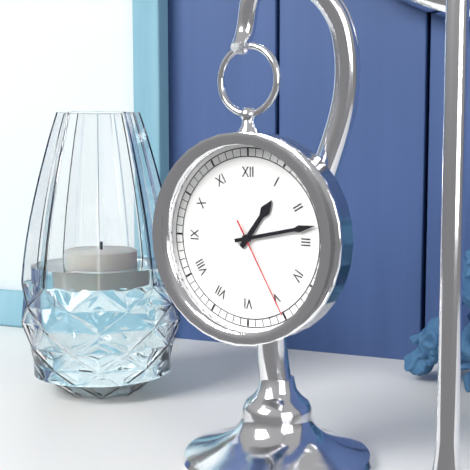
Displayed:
1:13:25
